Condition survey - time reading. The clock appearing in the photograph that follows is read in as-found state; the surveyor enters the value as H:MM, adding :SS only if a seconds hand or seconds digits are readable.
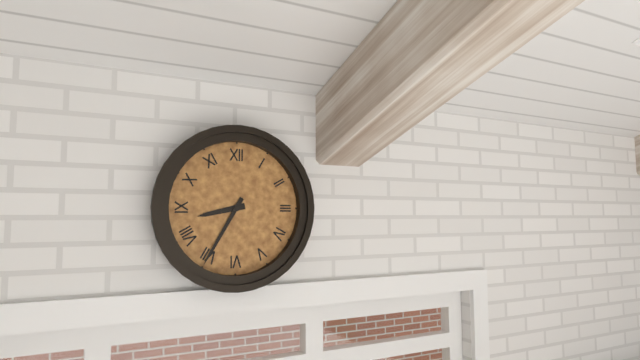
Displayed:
8:35
